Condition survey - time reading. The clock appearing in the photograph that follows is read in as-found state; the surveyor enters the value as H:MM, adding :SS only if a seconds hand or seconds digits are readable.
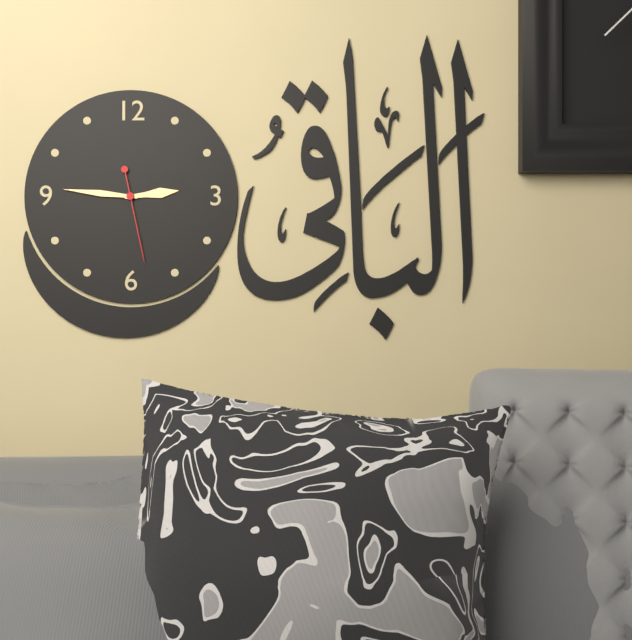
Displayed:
2:46:28
